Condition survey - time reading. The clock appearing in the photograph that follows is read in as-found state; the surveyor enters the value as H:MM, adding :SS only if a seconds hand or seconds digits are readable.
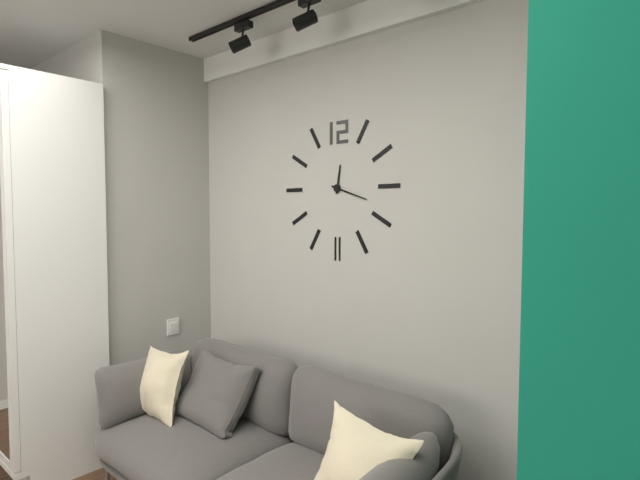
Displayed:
12:18
